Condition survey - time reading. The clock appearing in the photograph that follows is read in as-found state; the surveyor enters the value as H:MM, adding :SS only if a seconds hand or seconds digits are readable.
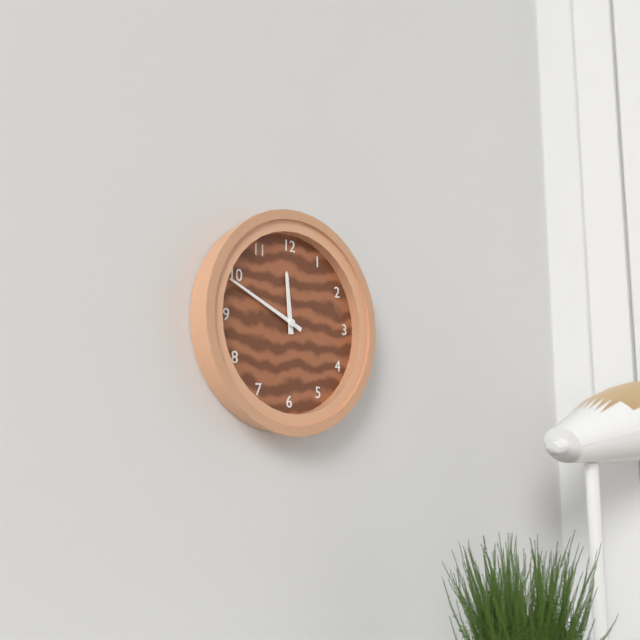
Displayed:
11:49
